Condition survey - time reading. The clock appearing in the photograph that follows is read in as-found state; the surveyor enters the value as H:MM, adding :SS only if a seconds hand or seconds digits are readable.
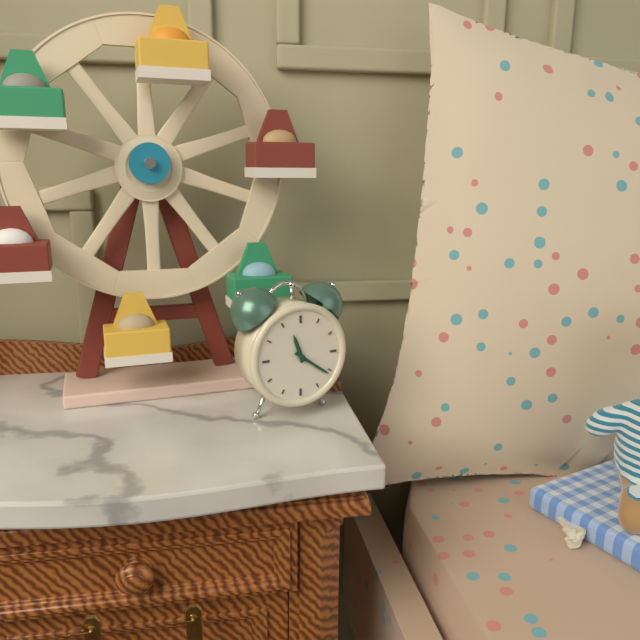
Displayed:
11:21
